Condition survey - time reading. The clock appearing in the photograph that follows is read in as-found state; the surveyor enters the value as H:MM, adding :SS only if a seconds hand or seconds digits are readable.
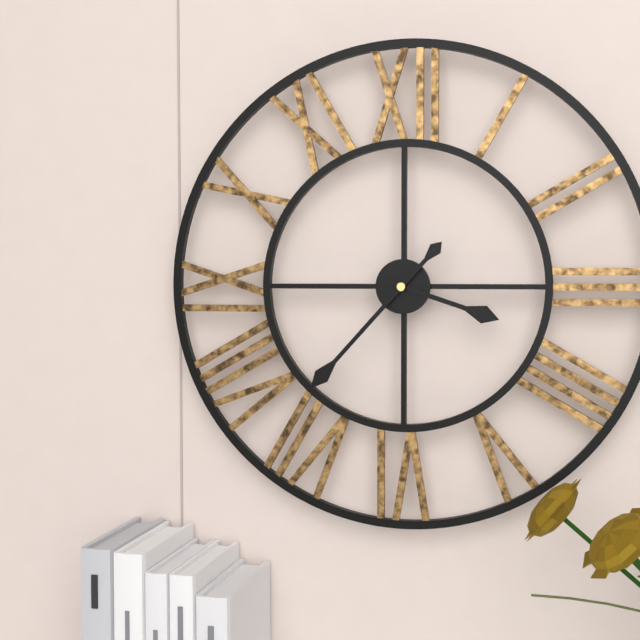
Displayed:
3:37
